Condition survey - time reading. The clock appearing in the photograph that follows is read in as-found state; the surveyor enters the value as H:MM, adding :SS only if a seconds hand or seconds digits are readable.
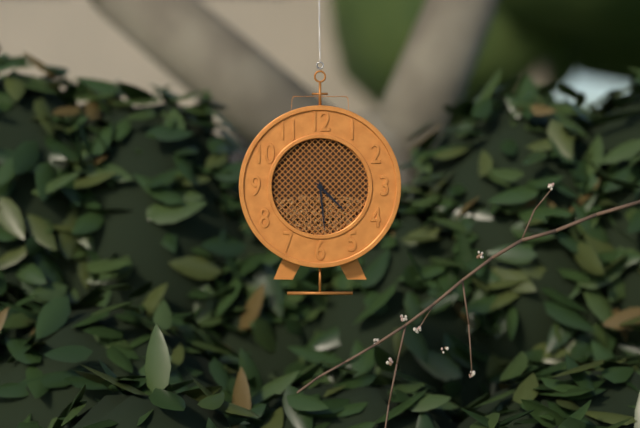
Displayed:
4:29
